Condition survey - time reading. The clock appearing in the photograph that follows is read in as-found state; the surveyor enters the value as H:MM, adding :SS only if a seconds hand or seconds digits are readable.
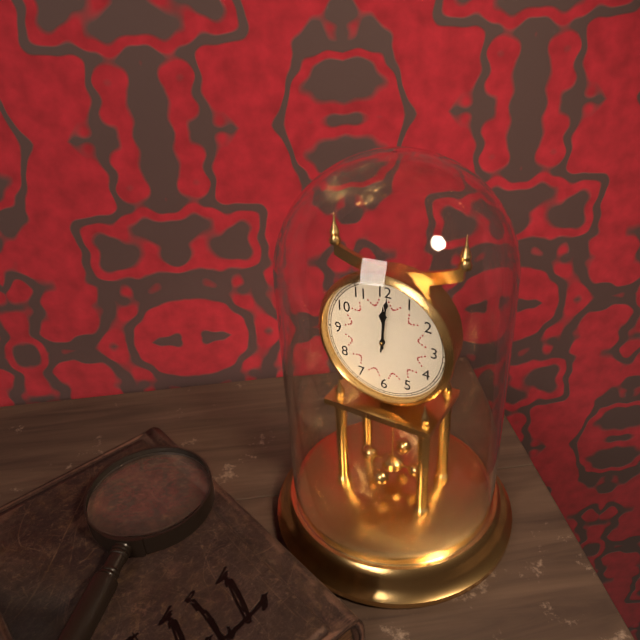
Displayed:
12:01
